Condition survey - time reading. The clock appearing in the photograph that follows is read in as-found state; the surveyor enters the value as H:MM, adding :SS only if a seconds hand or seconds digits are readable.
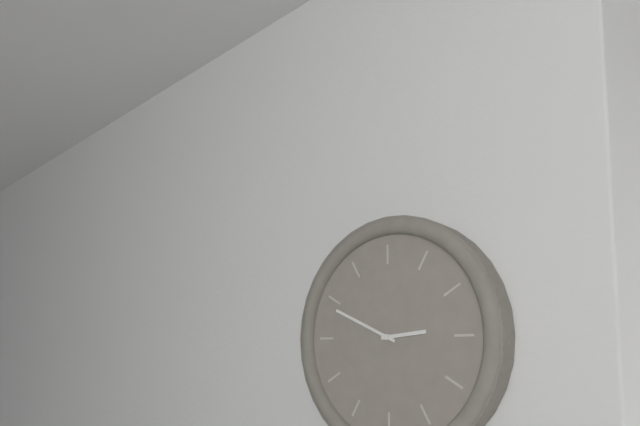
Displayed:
2:49
